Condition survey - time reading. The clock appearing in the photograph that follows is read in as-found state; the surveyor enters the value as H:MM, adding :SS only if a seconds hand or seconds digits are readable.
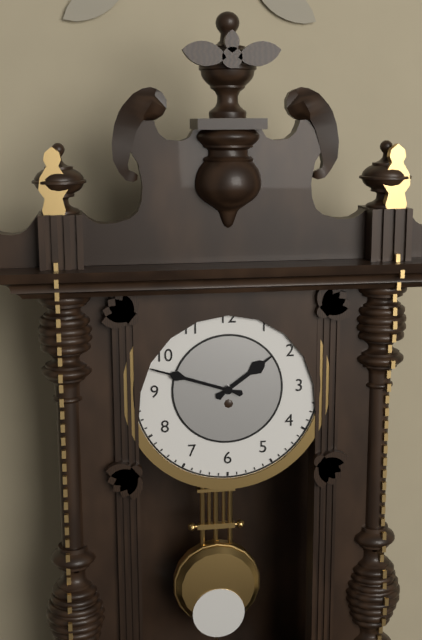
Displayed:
1:48
